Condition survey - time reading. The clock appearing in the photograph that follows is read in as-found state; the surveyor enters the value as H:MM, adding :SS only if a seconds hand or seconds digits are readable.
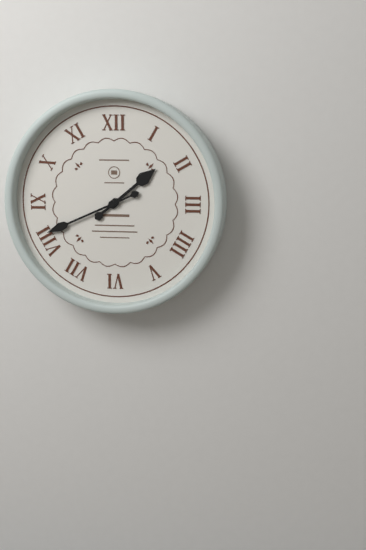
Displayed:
1:41
